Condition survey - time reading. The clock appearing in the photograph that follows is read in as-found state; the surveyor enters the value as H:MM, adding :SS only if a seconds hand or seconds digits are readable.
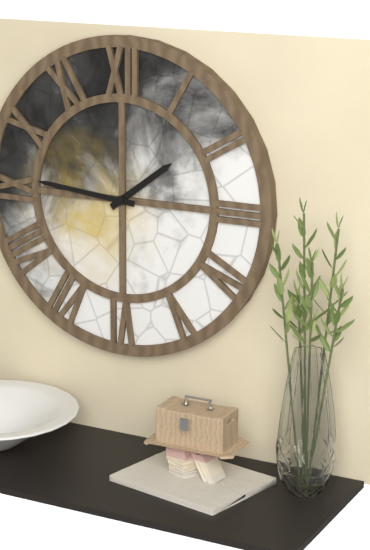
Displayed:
1:46
